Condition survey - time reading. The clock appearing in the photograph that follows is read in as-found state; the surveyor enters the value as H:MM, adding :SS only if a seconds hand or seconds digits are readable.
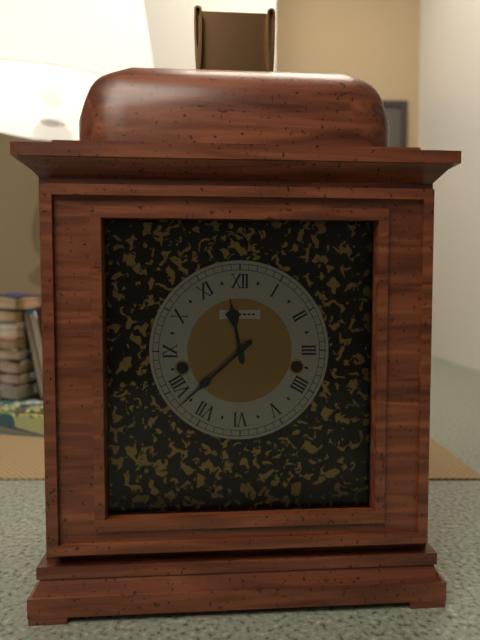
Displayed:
11:38
